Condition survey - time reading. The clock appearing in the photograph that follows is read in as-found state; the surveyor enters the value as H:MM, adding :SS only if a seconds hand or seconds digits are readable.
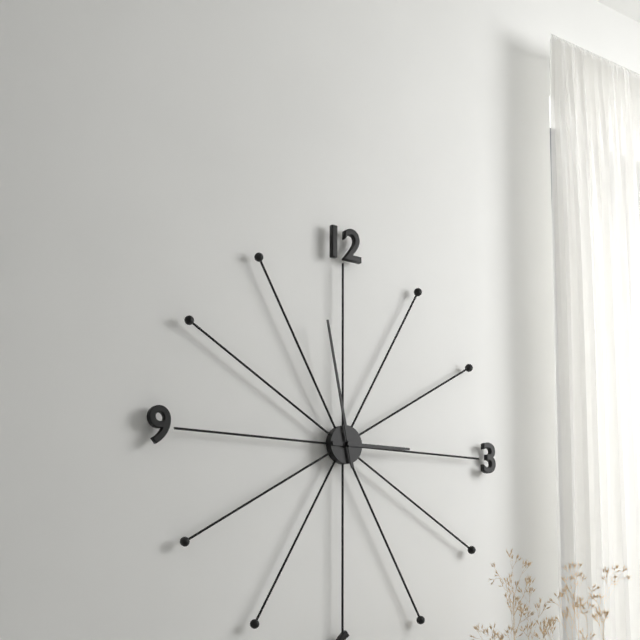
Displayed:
2:58
